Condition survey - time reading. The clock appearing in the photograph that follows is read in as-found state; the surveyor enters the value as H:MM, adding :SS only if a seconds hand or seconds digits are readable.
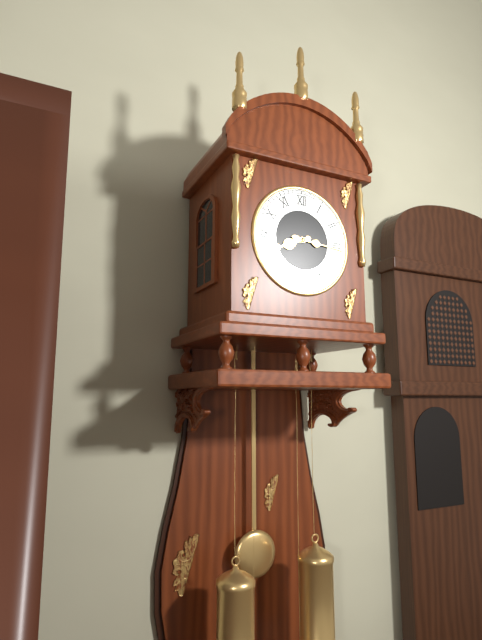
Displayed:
8:16
